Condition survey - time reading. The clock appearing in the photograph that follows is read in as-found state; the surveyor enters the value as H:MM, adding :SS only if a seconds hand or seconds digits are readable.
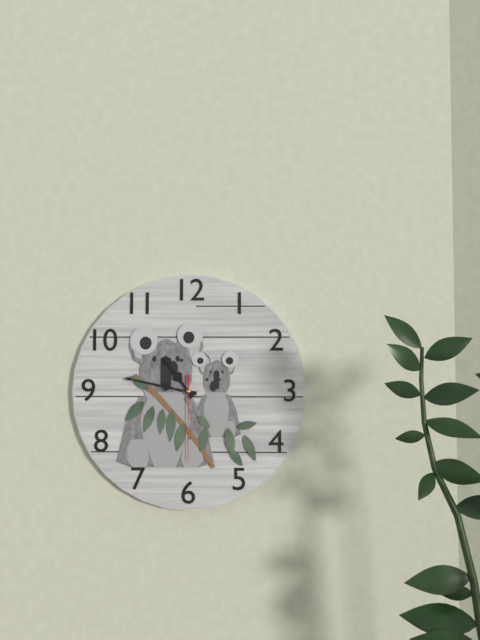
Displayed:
10:47:30
